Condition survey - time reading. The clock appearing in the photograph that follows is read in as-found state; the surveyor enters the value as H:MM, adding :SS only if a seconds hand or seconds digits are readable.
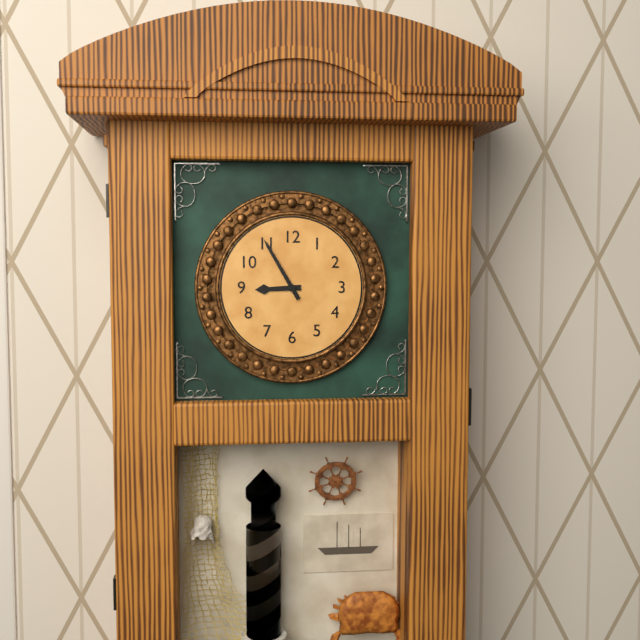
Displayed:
8:55
